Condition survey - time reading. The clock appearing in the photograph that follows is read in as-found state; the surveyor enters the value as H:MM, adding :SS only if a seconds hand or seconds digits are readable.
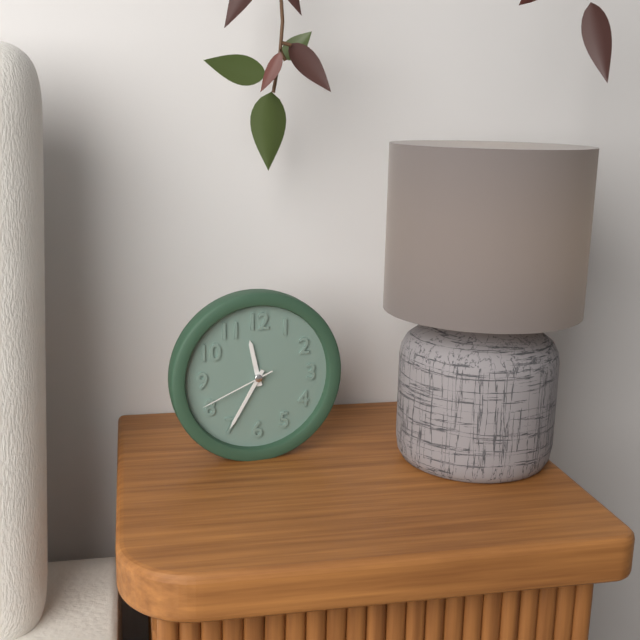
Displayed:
11:35:41
